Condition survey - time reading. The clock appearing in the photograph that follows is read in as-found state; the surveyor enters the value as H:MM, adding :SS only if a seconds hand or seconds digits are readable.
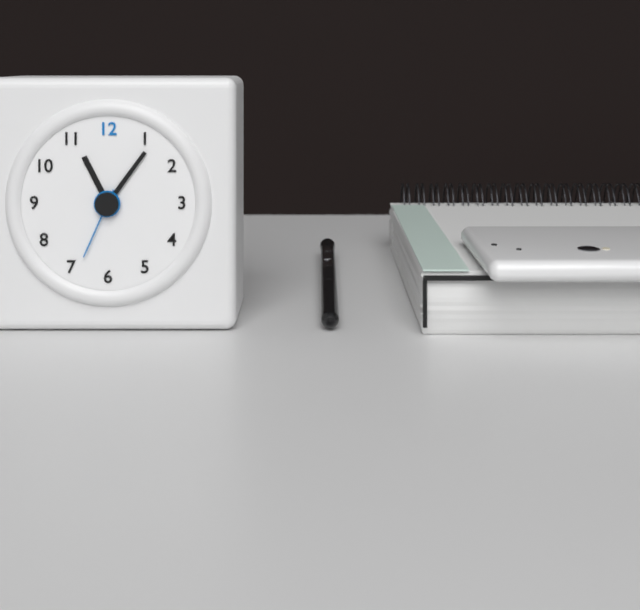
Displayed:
11:06:34
